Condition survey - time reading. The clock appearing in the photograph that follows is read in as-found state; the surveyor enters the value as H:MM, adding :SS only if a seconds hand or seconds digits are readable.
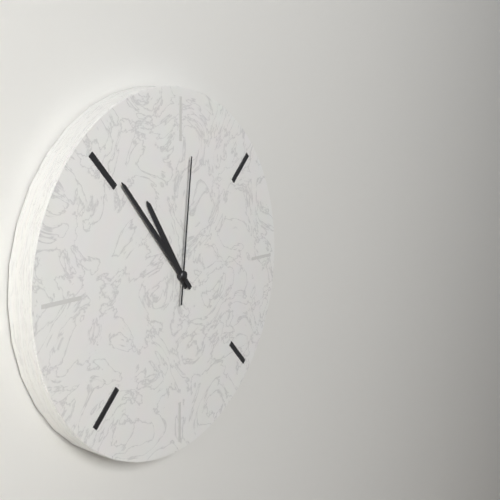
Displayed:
10:53:01
